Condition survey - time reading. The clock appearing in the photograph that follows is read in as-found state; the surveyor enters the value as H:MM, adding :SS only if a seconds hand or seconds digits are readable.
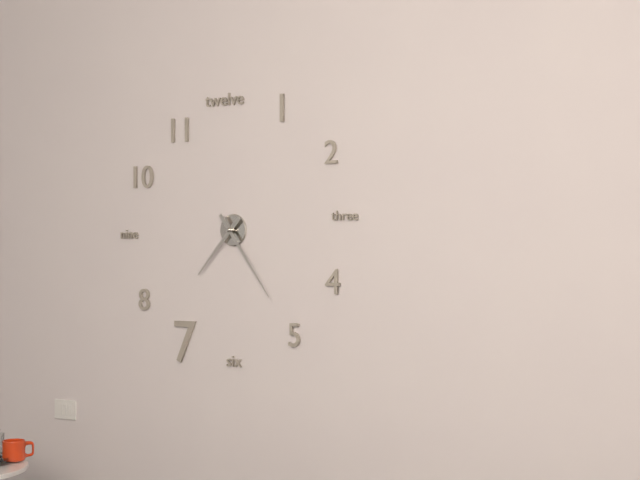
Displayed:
7:24
